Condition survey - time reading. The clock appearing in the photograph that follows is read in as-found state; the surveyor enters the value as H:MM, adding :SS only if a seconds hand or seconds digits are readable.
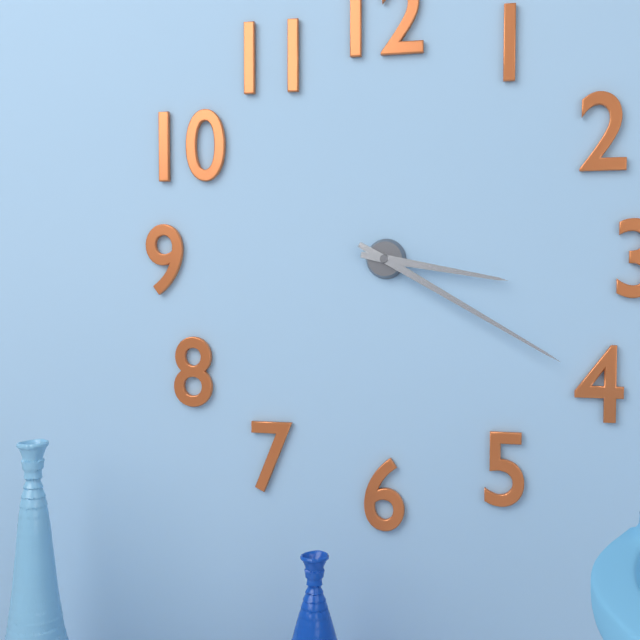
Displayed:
3:20
